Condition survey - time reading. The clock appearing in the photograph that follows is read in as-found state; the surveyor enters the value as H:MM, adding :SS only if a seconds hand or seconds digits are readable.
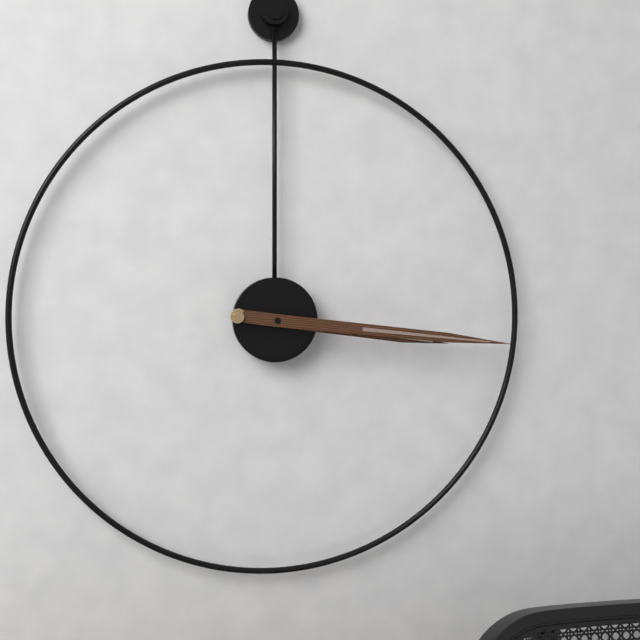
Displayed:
3:16
